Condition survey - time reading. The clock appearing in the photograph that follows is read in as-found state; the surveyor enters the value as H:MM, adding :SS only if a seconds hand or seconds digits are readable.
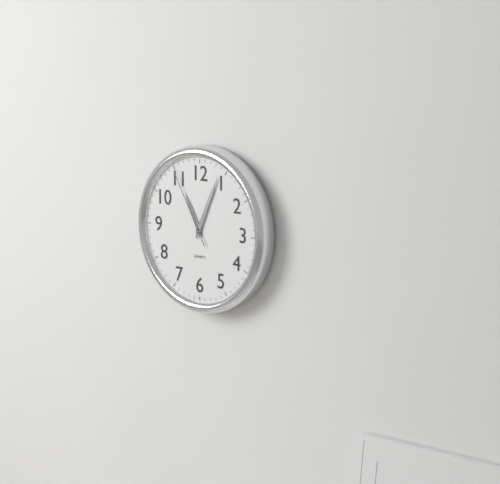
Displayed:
11:04:55
